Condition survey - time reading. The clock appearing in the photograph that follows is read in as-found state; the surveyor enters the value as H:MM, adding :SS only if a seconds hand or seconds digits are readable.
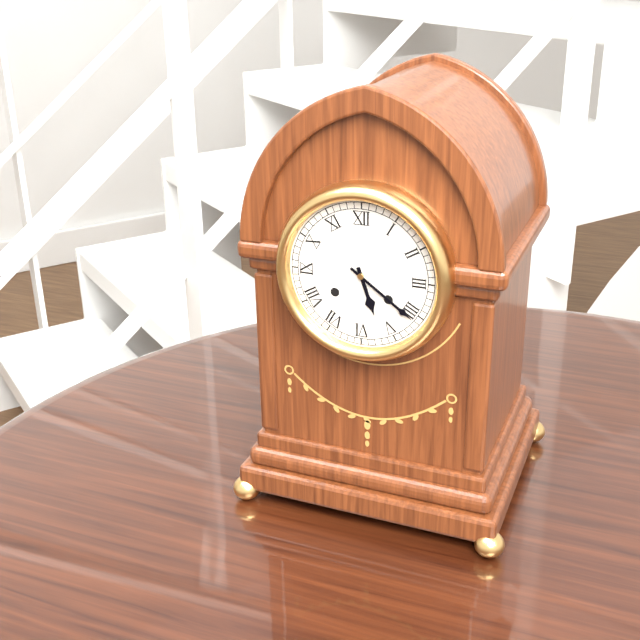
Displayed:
5:21
